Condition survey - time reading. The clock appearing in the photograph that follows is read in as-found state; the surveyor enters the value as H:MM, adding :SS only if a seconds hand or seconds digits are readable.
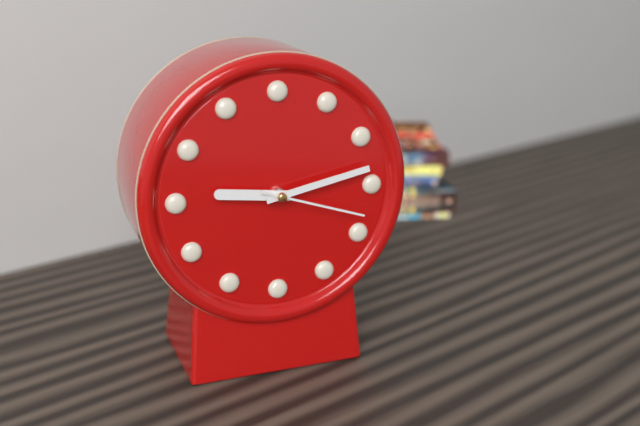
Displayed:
9:13:18
